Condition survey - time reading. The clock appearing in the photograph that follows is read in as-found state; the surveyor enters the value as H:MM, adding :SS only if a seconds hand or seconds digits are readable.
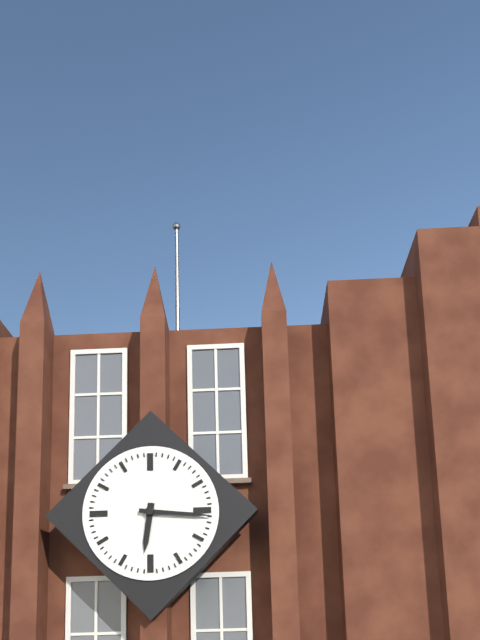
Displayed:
6:16
